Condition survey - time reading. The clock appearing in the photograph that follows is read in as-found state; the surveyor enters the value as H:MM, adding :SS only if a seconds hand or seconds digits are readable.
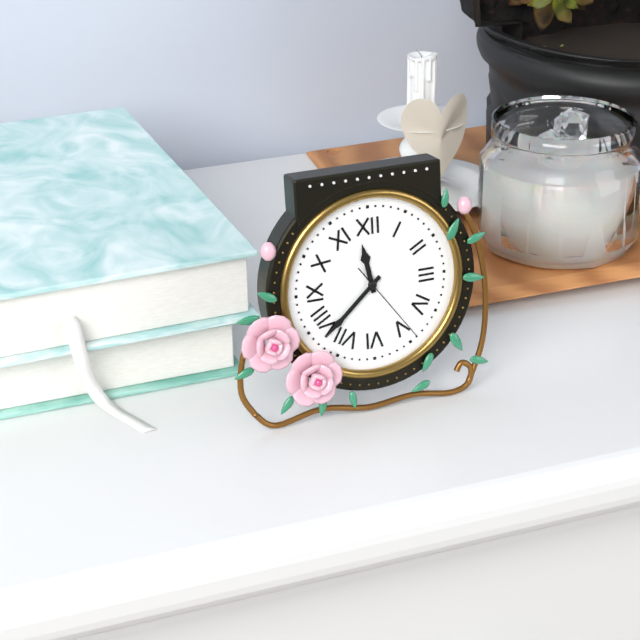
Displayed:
11:38:24
